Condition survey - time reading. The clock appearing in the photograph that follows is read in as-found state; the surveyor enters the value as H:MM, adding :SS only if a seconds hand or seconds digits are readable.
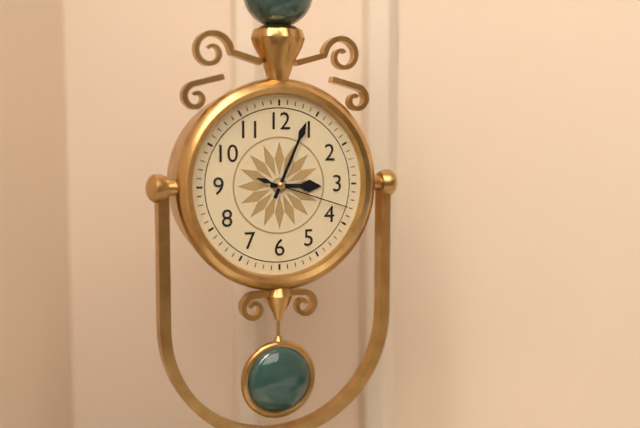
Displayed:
3:04:18
